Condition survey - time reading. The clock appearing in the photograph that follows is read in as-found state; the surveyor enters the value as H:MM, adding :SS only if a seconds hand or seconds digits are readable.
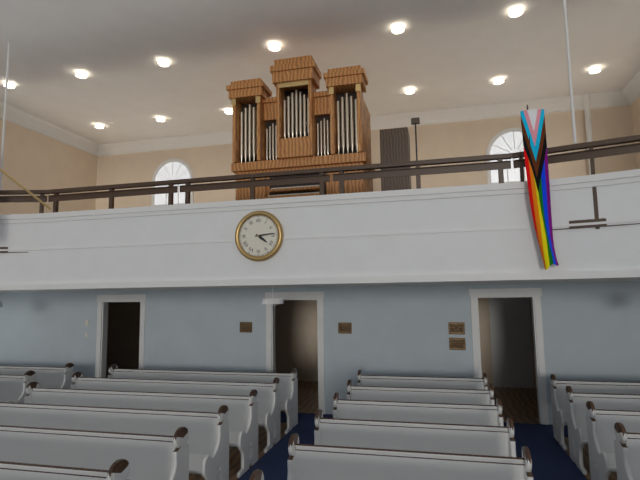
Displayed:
4:14
